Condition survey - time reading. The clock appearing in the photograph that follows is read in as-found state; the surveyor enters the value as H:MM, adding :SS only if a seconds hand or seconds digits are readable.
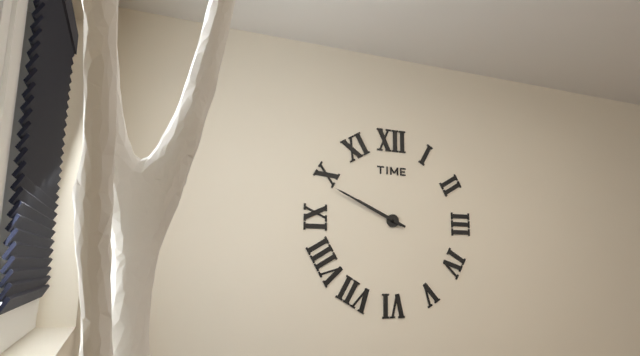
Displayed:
9:49
